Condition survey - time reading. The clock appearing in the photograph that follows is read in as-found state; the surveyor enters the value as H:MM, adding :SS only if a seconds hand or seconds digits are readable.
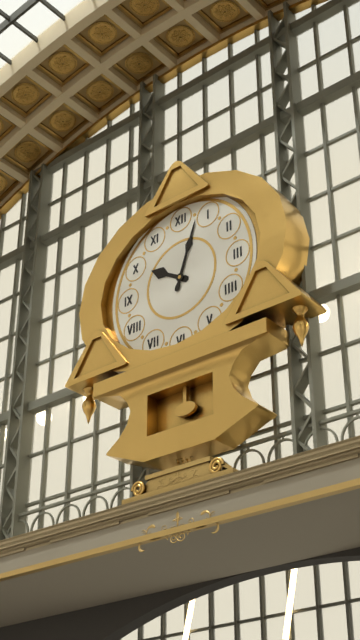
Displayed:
10:03
